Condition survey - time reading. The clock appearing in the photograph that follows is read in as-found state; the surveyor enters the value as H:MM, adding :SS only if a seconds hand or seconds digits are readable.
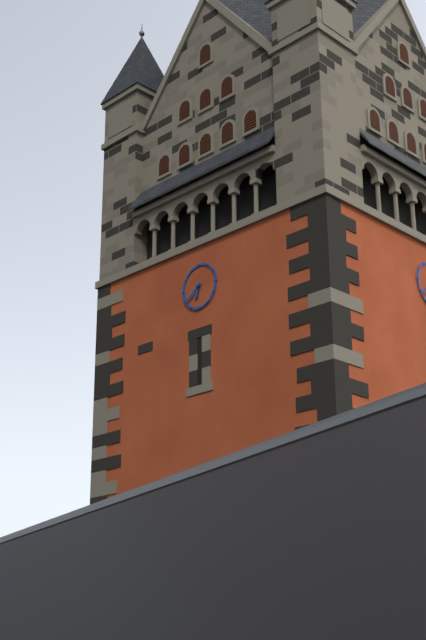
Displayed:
6:39
